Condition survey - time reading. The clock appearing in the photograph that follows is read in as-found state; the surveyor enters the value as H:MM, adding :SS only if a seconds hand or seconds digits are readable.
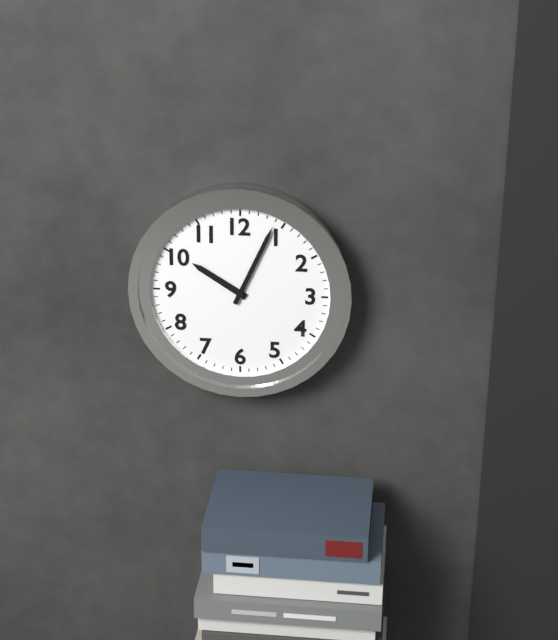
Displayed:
10:04
